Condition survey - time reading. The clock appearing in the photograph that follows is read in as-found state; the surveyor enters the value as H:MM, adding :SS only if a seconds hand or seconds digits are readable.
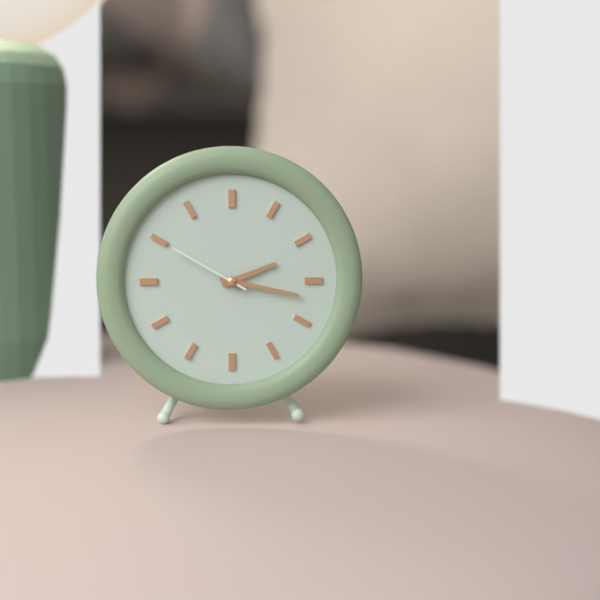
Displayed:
2:17:50
